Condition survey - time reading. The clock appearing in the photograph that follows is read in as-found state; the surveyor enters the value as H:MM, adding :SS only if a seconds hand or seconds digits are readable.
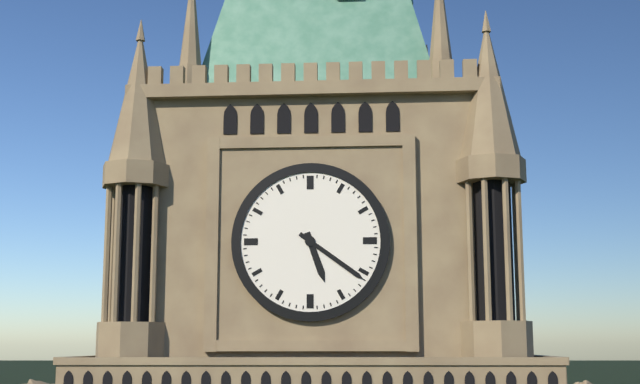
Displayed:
5:21
